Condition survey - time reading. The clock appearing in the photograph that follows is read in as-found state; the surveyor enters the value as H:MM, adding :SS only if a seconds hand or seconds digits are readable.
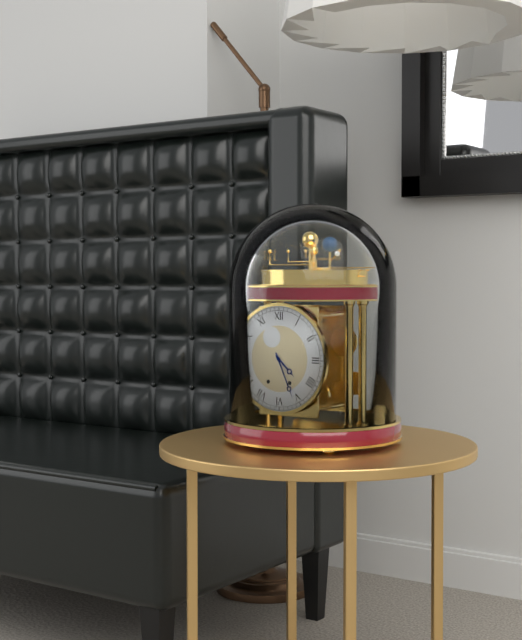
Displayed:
4:26
